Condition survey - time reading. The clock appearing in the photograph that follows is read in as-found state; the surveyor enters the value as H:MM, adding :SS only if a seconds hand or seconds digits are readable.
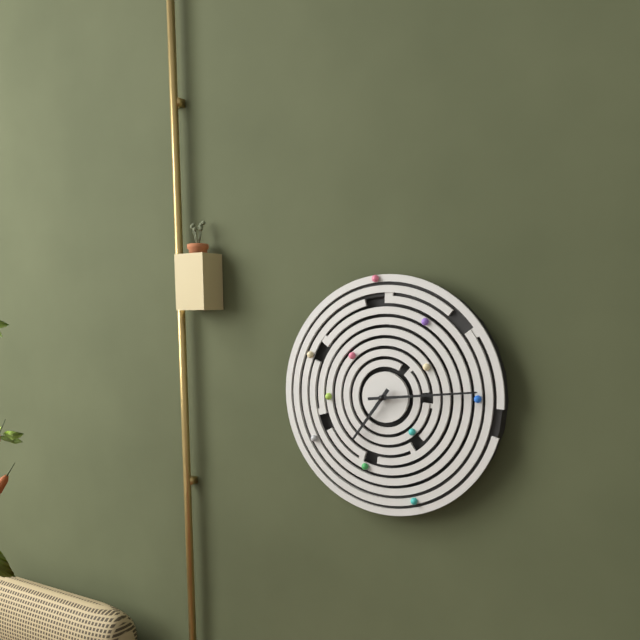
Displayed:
7:14
